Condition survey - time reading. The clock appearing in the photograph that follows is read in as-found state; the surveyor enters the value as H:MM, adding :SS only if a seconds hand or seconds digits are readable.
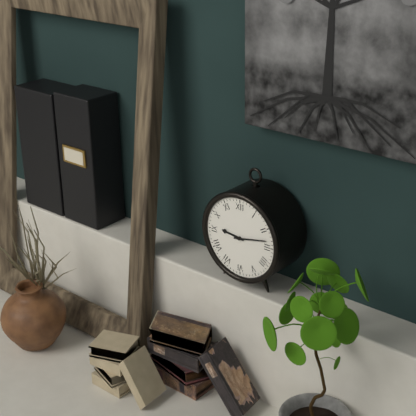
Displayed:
9:13
